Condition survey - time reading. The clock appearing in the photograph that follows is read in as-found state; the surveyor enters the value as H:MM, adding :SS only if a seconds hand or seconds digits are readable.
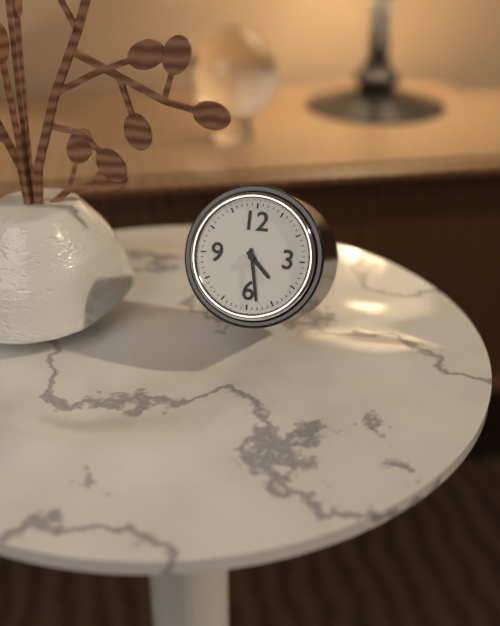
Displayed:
4:28
